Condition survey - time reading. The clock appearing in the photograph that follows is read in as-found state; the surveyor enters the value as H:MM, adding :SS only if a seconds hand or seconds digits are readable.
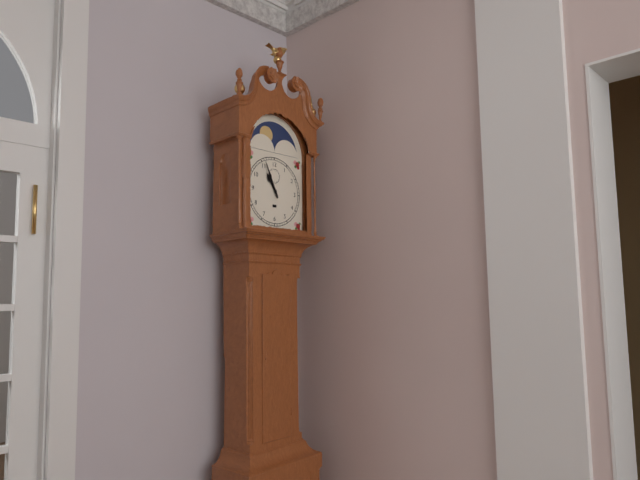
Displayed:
10:56
